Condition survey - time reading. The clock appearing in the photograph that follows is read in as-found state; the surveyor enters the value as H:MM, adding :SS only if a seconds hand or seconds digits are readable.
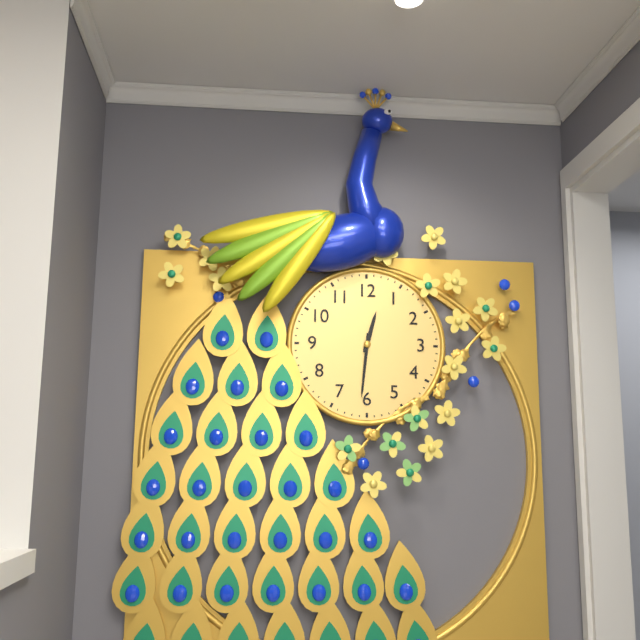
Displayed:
12:31
